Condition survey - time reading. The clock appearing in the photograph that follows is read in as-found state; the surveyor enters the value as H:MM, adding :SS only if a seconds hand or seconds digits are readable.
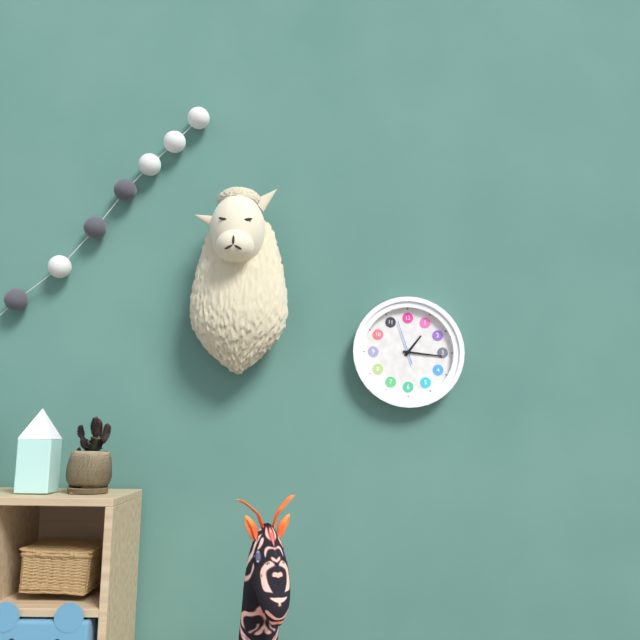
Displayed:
1:16
